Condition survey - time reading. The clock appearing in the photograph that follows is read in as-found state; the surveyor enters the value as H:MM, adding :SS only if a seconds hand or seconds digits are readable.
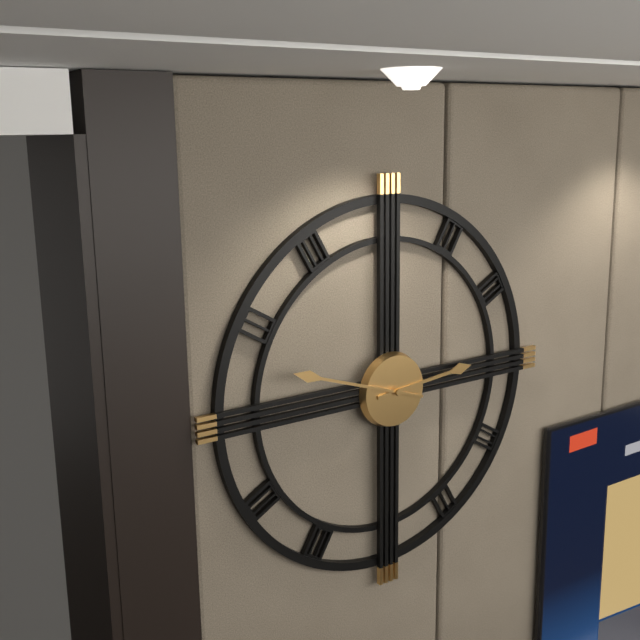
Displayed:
2:48
